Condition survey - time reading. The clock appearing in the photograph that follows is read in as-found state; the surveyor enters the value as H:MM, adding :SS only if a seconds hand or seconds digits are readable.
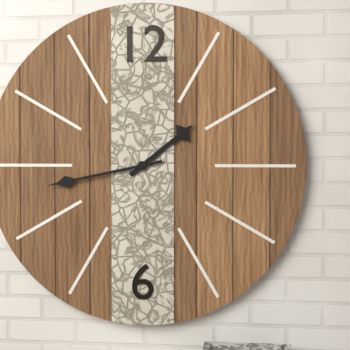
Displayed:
1:43
